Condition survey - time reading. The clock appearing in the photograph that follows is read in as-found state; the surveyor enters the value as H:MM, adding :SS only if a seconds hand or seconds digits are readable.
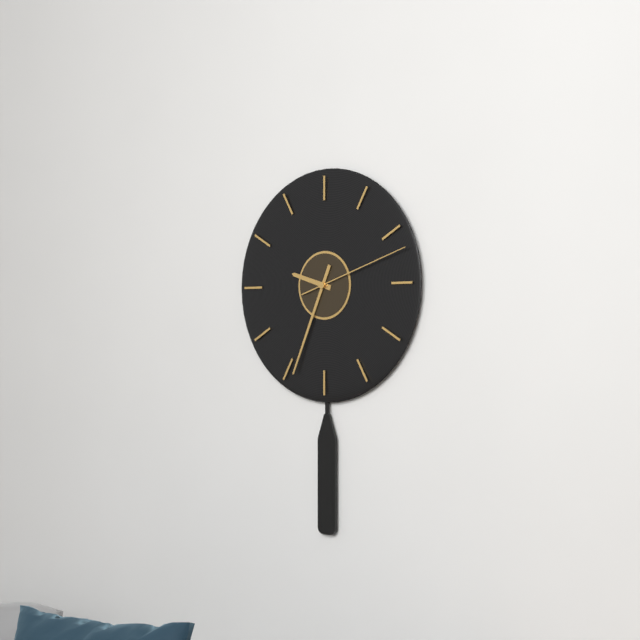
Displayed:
9:34:12
